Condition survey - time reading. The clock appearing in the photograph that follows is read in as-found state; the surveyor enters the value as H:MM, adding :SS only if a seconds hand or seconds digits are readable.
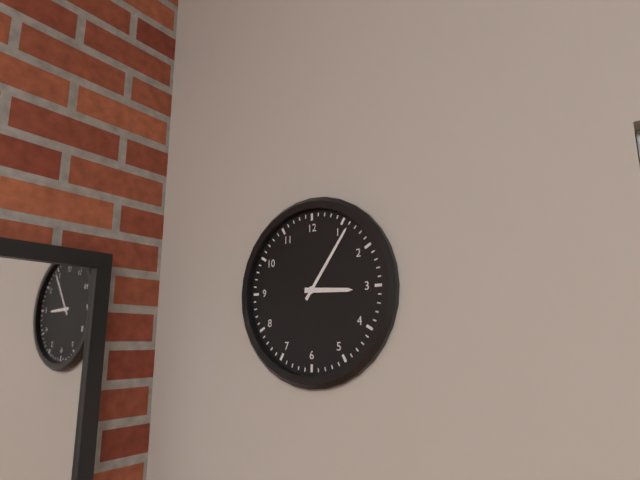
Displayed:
3:06
